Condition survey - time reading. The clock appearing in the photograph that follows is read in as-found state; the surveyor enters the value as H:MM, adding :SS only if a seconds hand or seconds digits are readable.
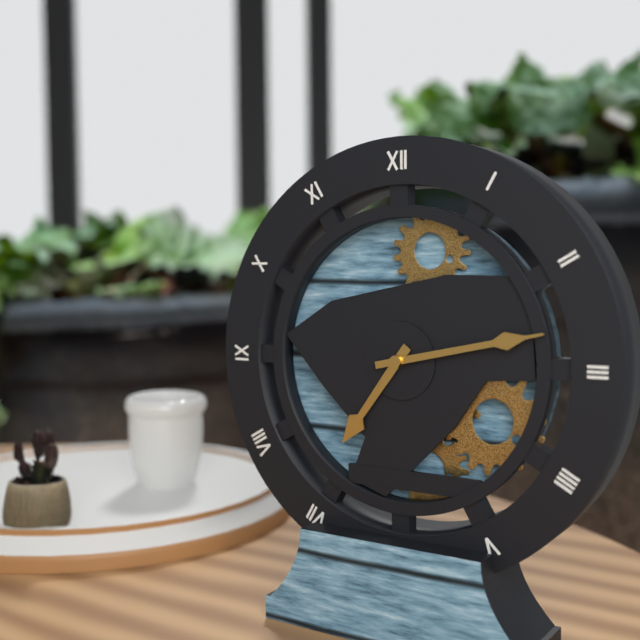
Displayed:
7:13
